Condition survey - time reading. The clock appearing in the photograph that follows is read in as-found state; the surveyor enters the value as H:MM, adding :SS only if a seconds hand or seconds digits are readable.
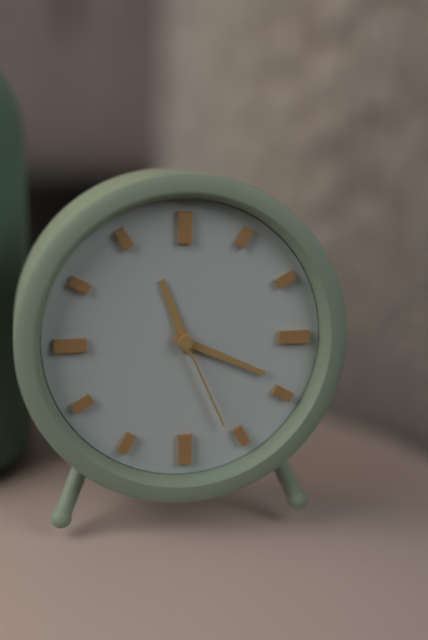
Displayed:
11:19:26
